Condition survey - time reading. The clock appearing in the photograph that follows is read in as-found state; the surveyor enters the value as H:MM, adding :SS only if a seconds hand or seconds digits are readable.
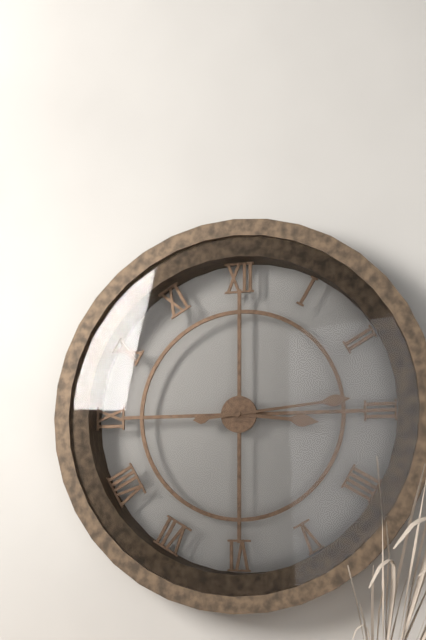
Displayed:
3:14
